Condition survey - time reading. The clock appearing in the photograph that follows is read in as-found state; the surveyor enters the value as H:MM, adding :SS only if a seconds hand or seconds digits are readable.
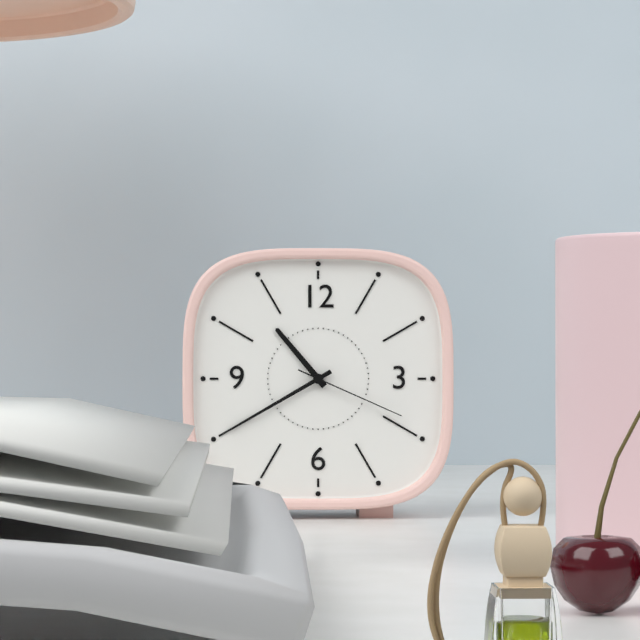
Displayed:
10:40:19
